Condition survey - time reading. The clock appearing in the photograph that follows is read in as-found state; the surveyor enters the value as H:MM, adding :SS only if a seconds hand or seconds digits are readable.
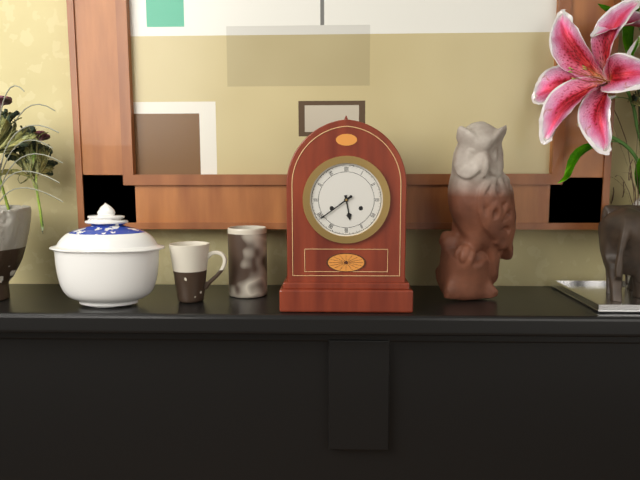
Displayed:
5:39
